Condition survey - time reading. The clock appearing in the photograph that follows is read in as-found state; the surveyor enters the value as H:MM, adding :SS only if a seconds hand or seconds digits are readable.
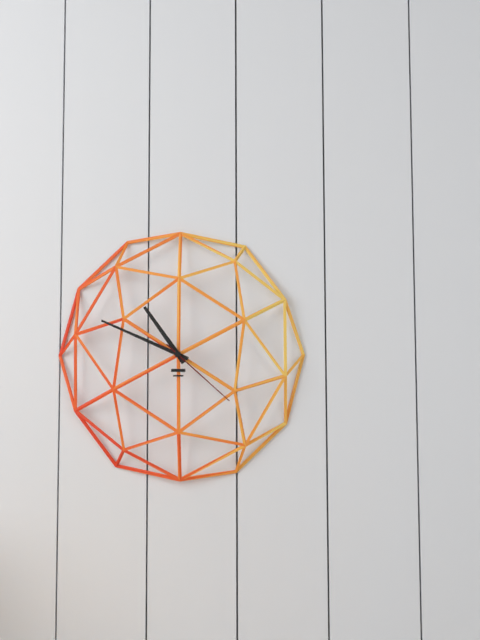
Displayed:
10:49:22
